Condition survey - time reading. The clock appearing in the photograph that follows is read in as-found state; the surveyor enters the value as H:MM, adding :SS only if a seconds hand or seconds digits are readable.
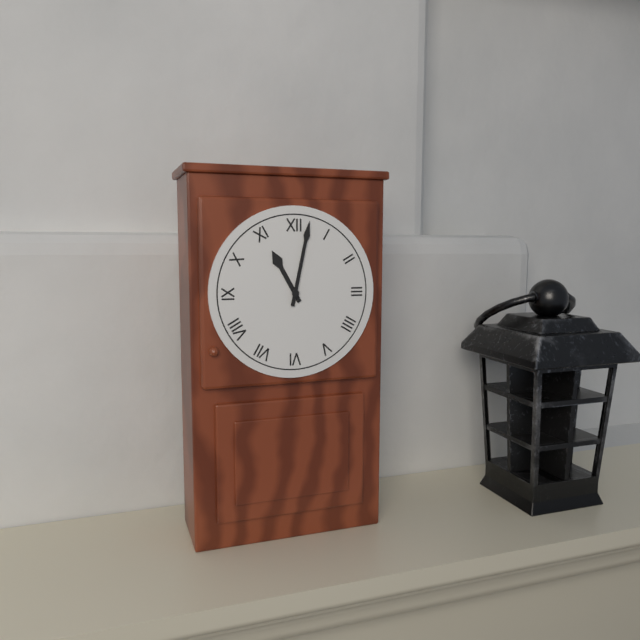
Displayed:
11:02
